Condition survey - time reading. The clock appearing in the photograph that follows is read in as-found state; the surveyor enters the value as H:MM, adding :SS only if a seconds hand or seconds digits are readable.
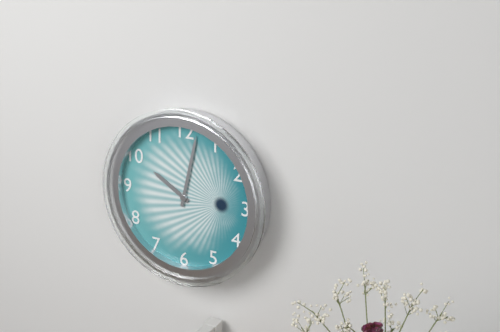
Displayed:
10:02
